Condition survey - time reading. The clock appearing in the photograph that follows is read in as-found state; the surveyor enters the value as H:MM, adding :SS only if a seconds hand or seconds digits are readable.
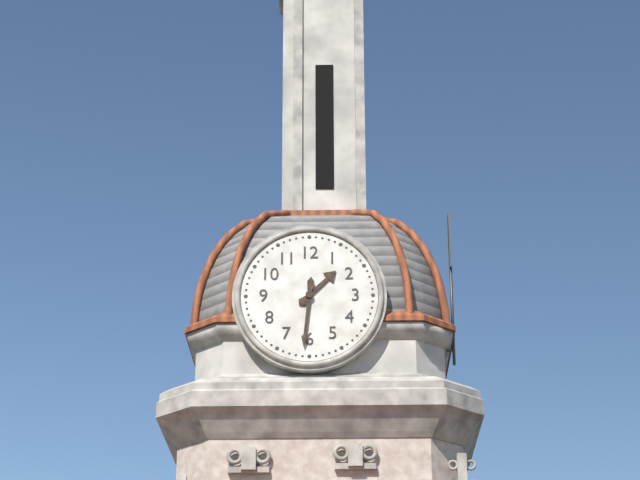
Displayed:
1:31
